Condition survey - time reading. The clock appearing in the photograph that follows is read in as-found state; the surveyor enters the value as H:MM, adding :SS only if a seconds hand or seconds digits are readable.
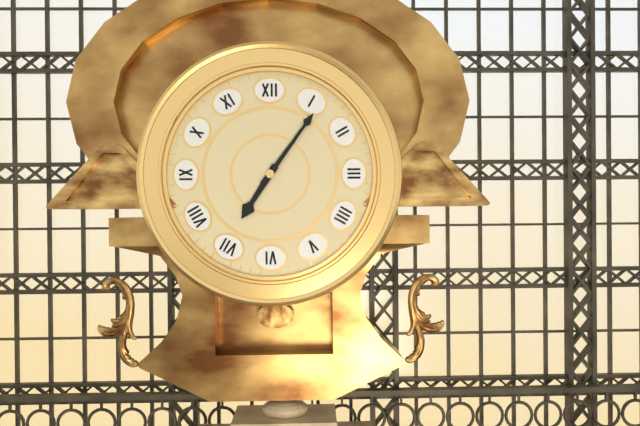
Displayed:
7:06
